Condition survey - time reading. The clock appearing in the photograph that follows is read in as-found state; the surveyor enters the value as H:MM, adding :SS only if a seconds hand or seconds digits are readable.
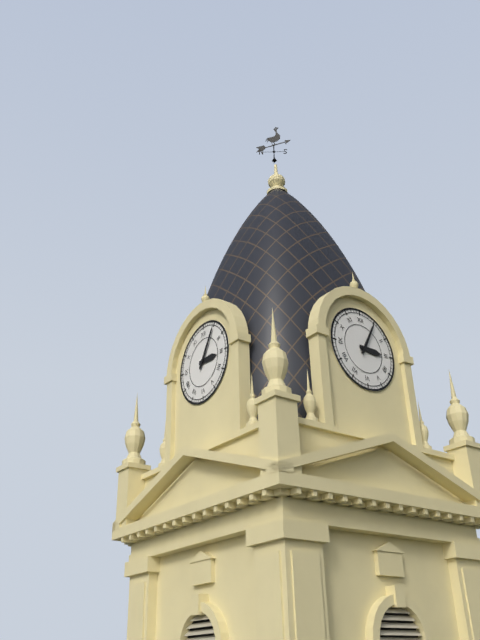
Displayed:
3:05
